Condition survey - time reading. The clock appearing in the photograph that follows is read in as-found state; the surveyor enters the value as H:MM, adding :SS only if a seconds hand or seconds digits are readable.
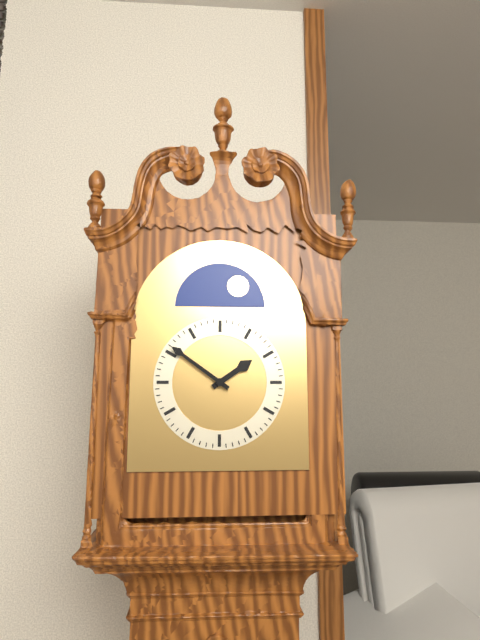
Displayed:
1:51
